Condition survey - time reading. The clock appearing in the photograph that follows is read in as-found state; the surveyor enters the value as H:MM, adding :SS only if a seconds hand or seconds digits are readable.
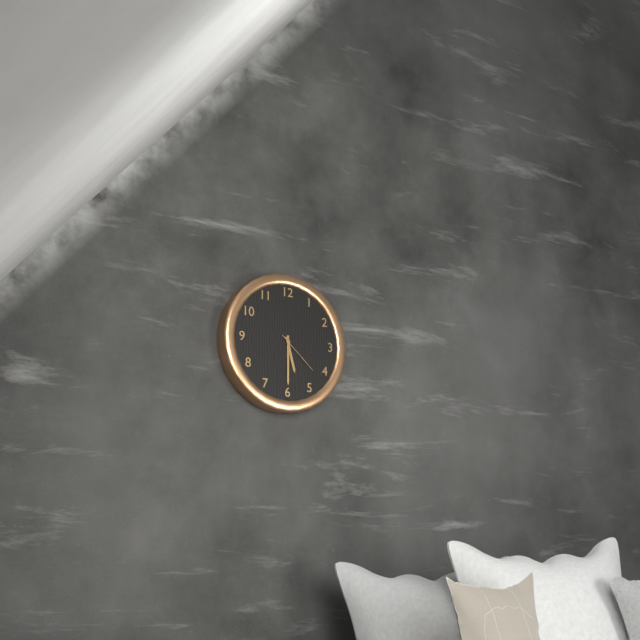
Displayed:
5:30
